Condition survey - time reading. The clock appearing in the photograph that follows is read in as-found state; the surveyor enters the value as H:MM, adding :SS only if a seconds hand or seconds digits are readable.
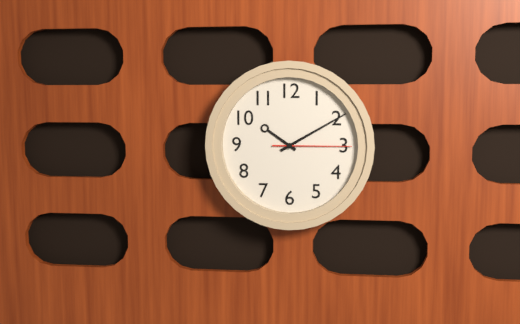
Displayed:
10:10:15
